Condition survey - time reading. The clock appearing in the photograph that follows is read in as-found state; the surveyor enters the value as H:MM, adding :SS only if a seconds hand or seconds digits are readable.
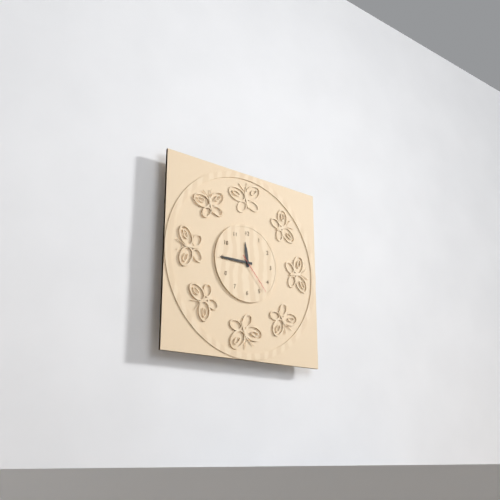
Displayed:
11:45
